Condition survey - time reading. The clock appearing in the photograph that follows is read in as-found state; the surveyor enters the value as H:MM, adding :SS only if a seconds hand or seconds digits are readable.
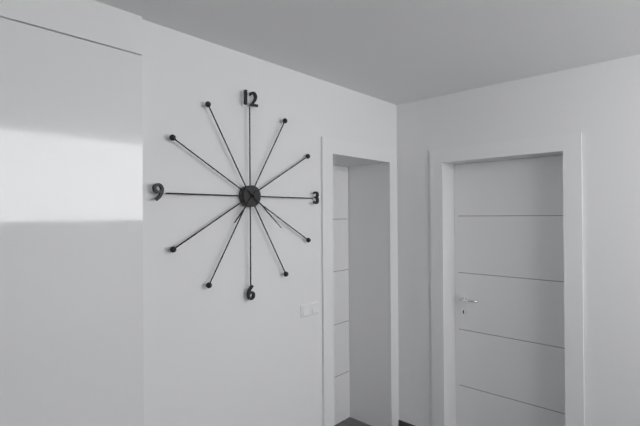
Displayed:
7:22
